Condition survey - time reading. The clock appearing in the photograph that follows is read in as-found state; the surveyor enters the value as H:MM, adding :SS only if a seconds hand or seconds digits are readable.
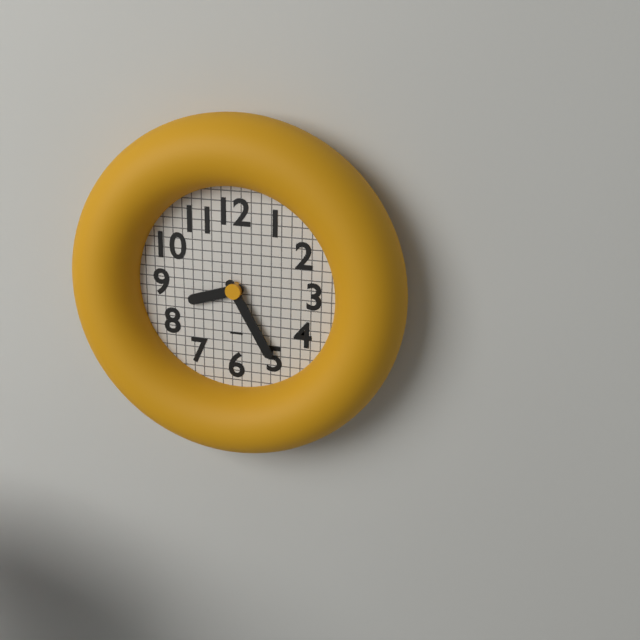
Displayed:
8:25
